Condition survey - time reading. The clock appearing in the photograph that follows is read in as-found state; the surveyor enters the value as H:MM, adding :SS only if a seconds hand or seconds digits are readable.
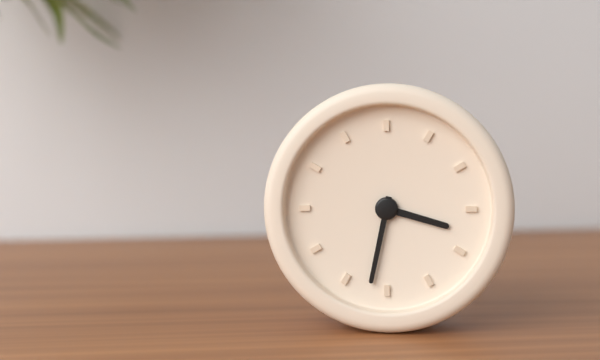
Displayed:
3:32
